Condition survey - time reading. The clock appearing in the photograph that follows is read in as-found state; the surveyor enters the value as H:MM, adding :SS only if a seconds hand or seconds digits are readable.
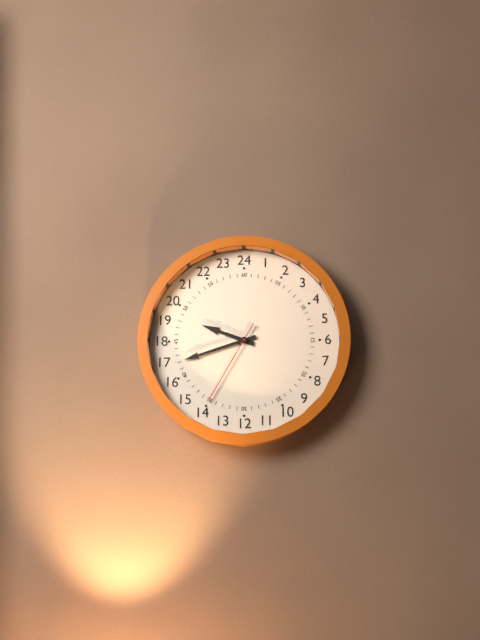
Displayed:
9:42:35
